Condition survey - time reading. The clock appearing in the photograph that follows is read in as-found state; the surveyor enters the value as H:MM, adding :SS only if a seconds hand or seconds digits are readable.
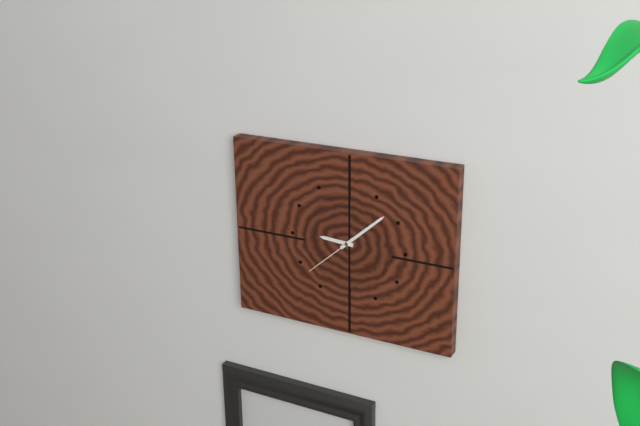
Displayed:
9:08:38
